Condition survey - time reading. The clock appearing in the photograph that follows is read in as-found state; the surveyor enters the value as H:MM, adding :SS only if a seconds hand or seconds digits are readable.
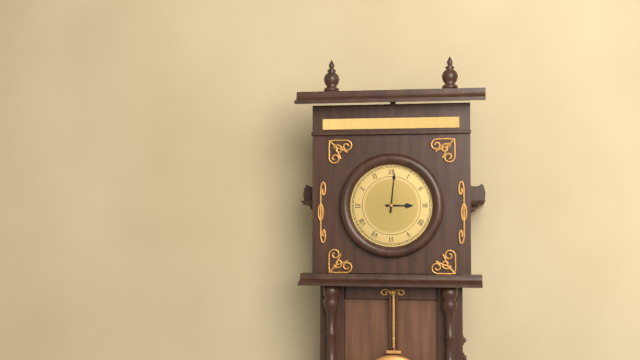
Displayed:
3:01
